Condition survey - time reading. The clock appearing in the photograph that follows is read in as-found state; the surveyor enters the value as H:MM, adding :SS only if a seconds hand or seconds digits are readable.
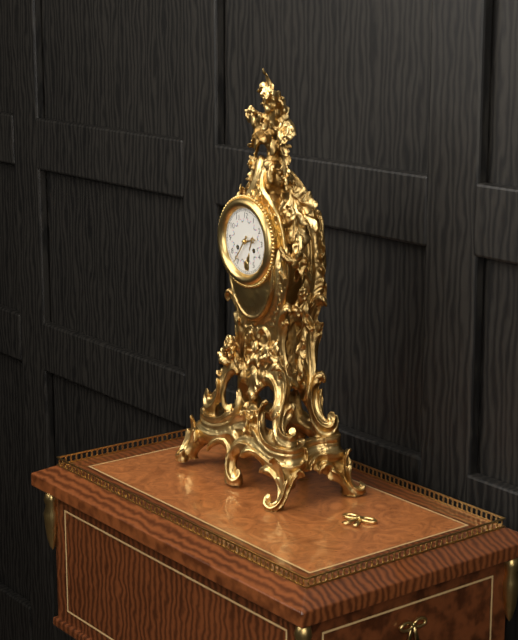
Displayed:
2:36
